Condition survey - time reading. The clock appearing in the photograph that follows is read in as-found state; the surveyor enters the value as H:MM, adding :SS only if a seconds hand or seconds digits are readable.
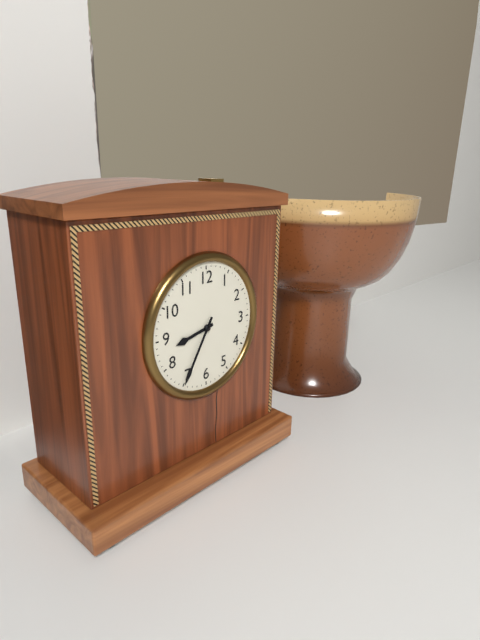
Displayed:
8:35
